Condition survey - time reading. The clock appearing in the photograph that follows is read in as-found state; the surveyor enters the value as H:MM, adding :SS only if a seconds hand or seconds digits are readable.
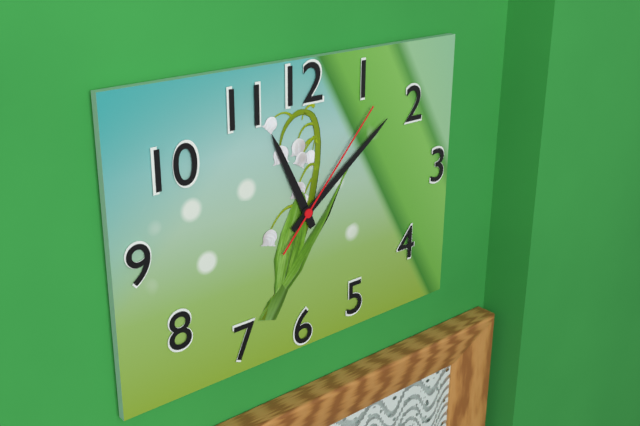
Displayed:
11:09:07
